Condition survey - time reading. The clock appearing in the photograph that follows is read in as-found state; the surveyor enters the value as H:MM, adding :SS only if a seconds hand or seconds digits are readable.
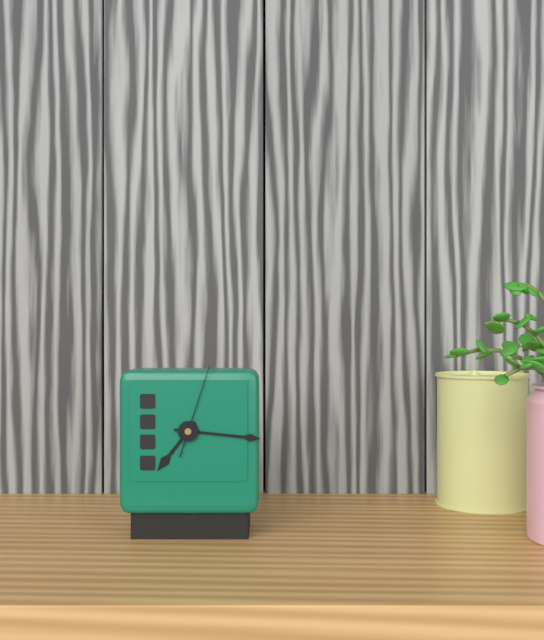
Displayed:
7:16:03
